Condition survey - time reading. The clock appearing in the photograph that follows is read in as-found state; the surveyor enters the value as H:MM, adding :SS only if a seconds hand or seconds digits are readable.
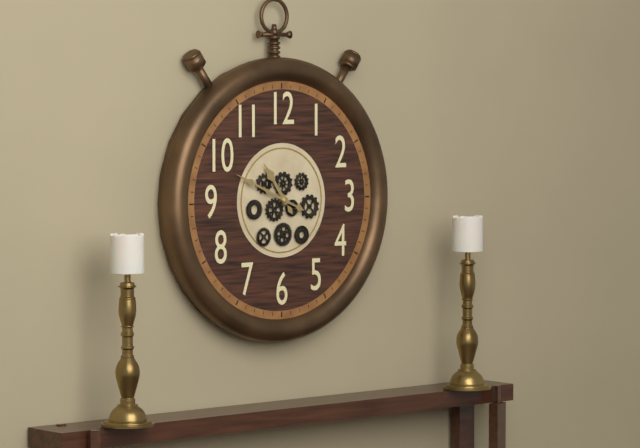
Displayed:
10:49
